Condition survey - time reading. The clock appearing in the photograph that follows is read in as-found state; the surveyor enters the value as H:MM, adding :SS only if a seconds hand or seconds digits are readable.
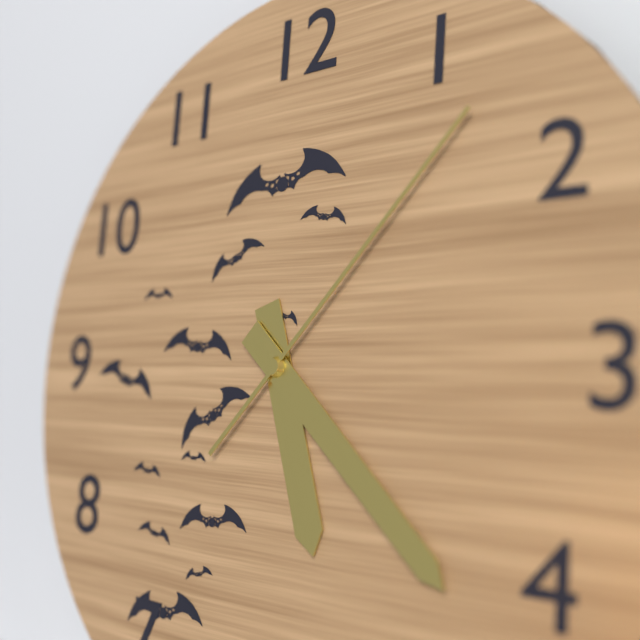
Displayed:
5:22:07
